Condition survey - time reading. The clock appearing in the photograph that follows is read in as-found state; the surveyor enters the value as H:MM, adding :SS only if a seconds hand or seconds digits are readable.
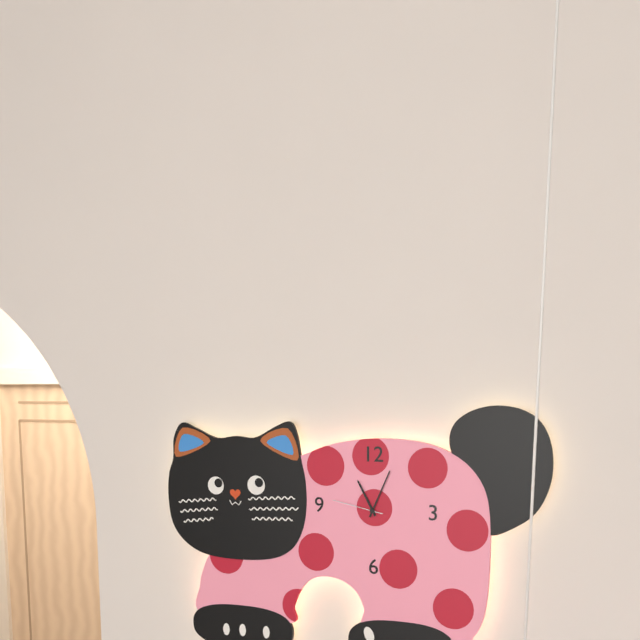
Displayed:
11:04:47
